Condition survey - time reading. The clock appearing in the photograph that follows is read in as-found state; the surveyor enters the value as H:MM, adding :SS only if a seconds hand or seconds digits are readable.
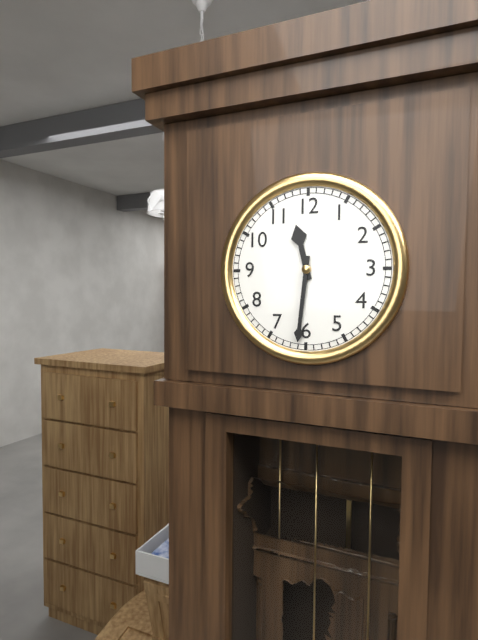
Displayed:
11:31
